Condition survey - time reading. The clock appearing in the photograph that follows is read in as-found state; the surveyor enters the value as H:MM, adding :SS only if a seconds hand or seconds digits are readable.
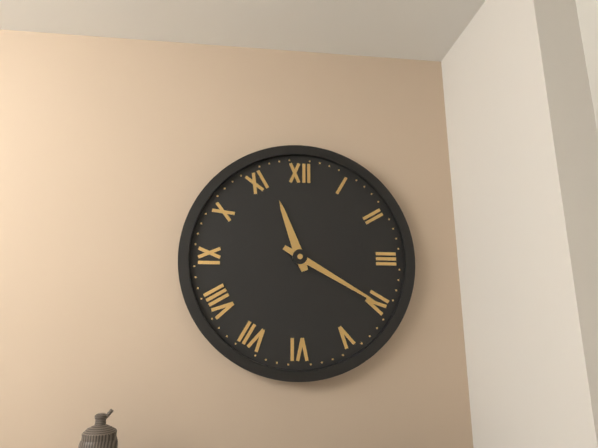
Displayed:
11:20
